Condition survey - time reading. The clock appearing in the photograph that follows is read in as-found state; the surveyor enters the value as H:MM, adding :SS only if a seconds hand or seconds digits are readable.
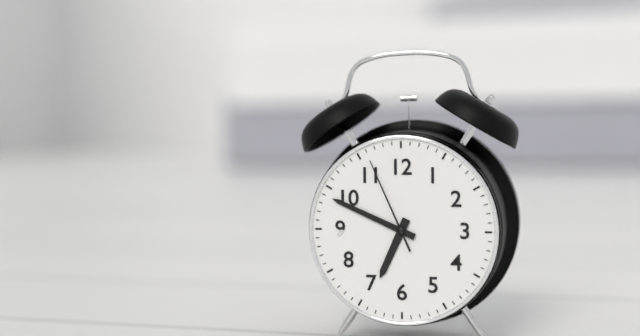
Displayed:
6:49:56
